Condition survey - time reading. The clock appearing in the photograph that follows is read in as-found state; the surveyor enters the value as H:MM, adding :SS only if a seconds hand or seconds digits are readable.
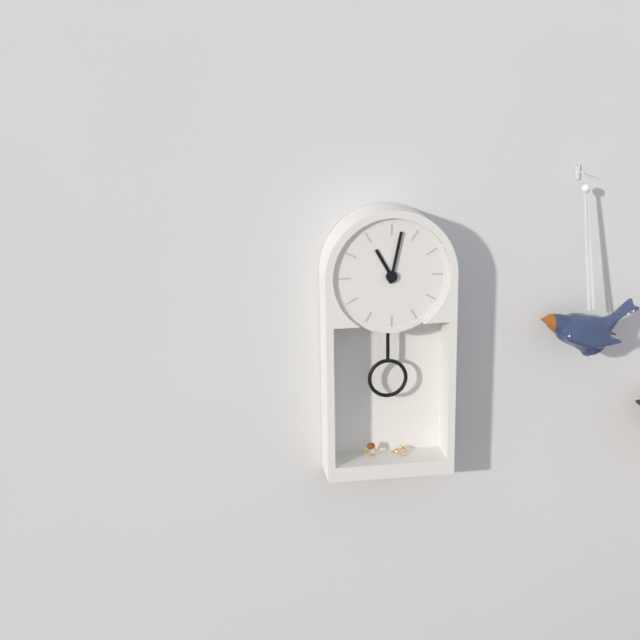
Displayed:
11:02
